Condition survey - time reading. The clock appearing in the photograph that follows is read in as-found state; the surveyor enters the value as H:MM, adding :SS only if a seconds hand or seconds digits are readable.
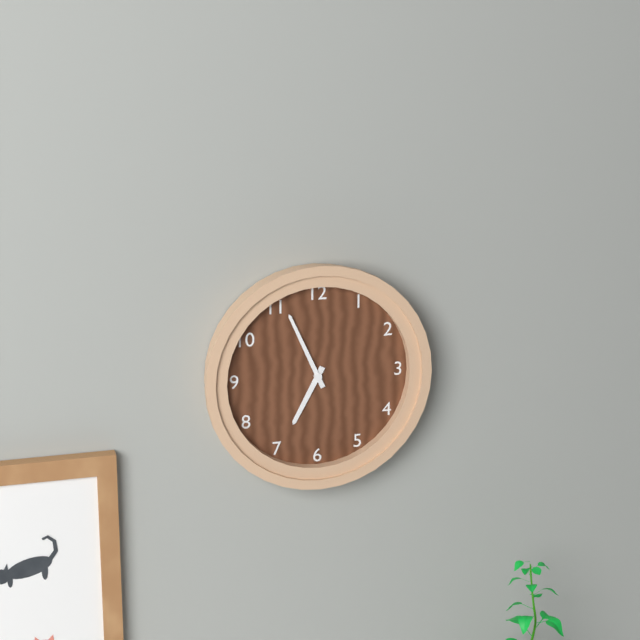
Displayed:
6:56
